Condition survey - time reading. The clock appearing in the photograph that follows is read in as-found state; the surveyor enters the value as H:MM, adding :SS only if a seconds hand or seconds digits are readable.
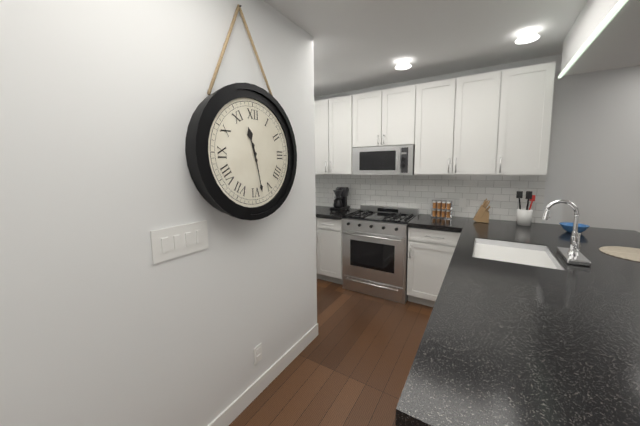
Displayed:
11:28
